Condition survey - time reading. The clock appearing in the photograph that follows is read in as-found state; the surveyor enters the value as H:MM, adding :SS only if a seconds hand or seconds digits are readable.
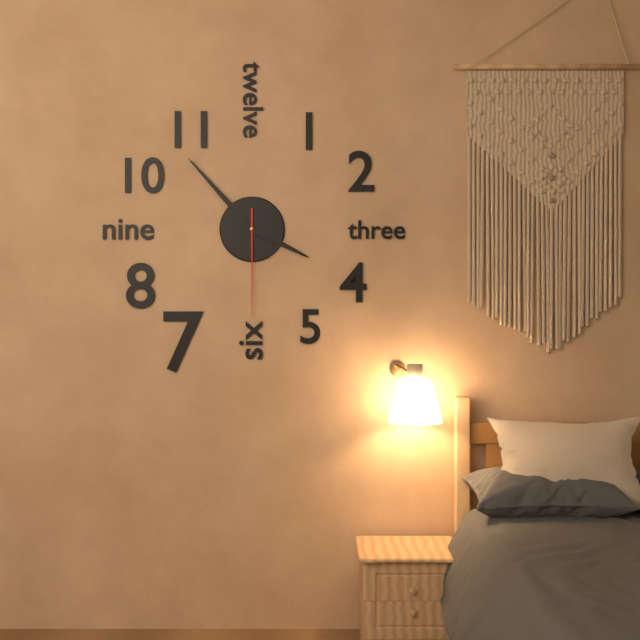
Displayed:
3:53:30
